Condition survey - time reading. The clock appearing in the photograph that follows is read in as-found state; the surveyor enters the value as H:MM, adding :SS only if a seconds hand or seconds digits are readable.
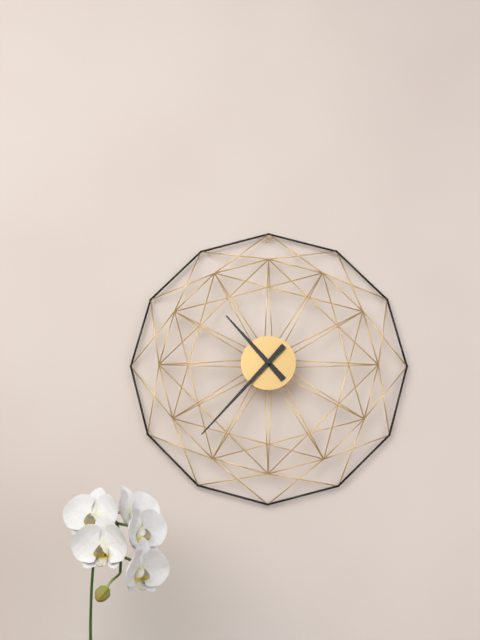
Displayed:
10:37
